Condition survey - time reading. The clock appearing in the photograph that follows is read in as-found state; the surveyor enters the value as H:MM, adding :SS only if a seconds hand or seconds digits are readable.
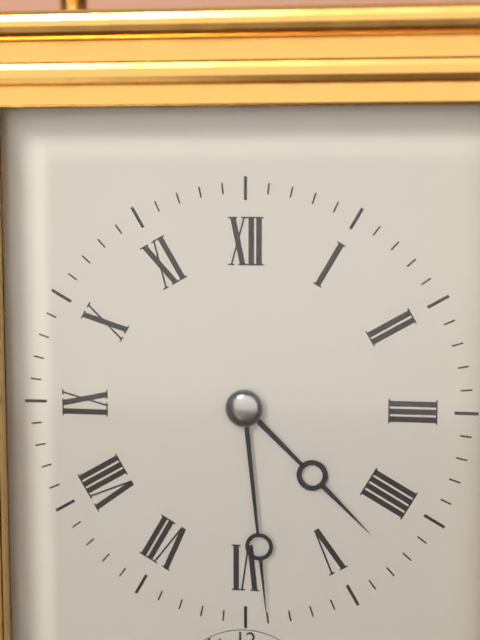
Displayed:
4:29
